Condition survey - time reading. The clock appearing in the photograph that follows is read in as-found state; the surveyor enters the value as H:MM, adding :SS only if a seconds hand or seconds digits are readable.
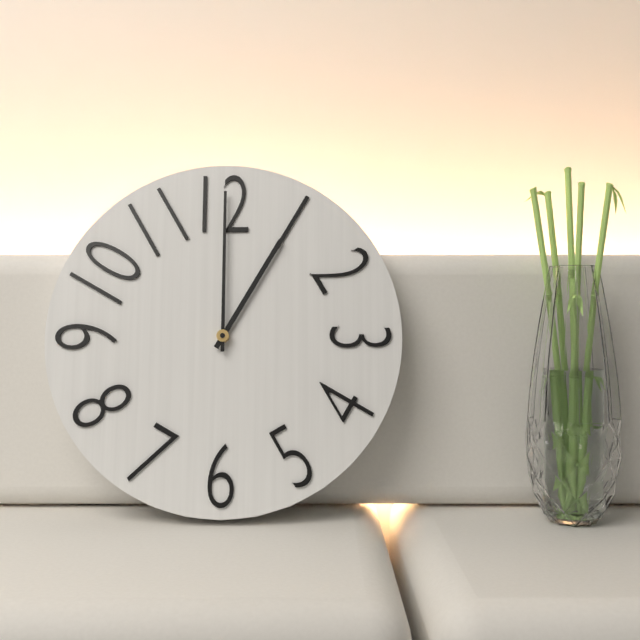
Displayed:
1:00
